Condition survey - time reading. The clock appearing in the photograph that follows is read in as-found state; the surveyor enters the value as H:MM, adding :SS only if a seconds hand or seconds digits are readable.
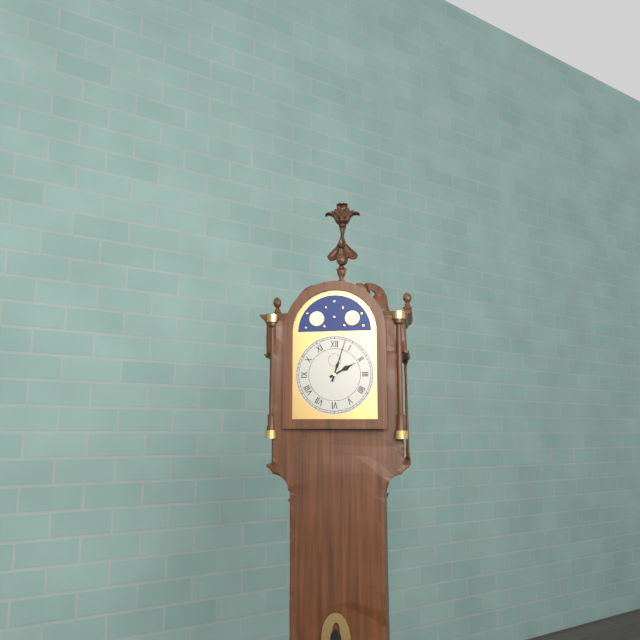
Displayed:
2:03
